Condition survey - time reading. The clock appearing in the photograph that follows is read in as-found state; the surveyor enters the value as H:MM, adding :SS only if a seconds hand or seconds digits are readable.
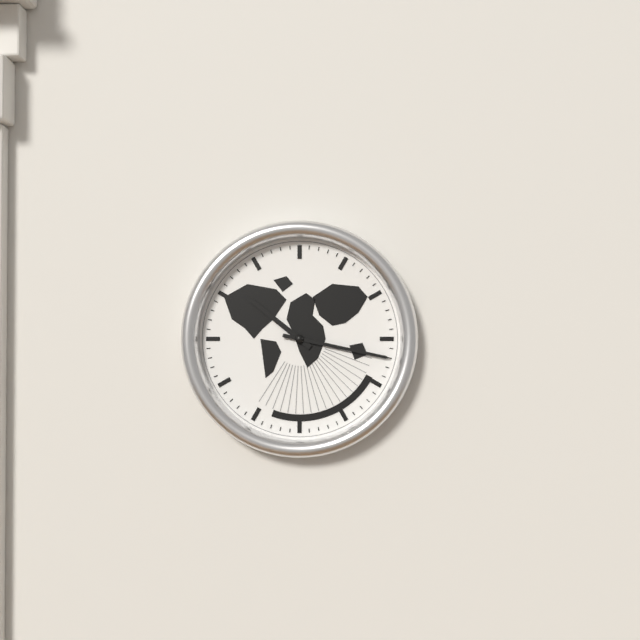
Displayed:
10:17
